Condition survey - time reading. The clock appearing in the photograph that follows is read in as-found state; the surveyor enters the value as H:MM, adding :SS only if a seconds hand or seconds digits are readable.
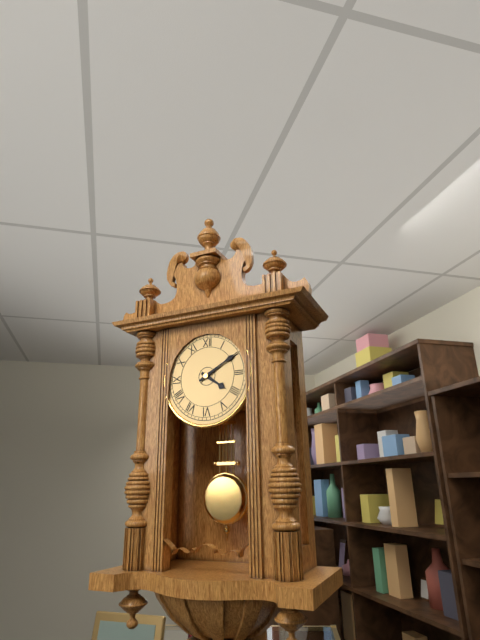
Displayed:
4:10
